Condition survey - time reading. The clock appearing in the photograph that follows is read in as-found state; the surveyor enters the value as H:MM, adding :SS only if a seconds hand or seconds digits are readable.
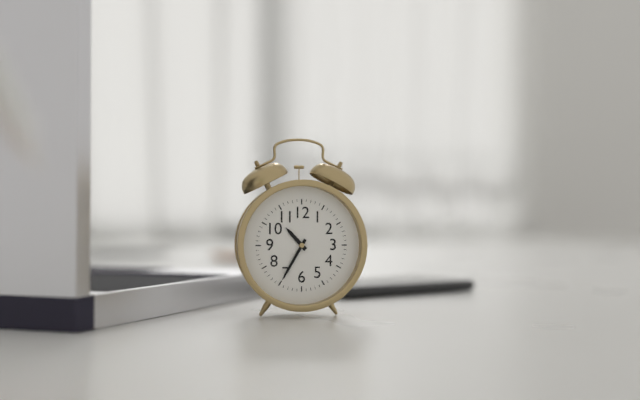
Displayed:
10:35
